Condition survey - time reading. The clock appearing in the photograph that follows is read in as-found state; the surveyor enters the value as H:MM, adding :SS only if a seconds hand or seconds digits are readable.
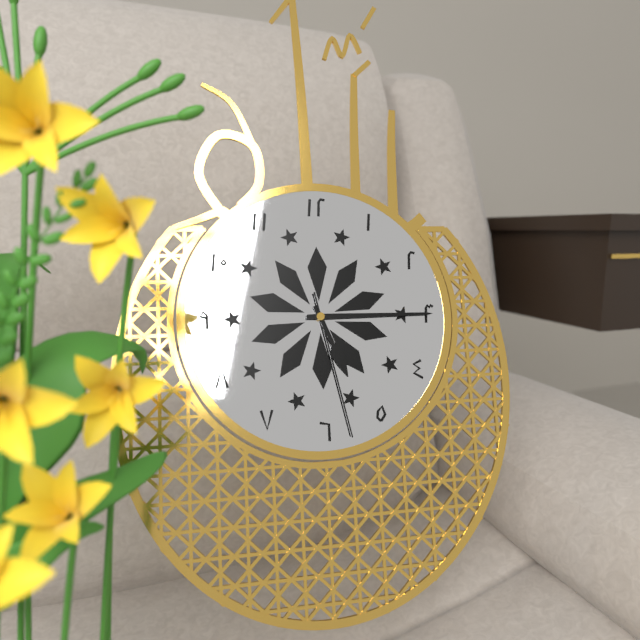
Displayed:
5:15:28
